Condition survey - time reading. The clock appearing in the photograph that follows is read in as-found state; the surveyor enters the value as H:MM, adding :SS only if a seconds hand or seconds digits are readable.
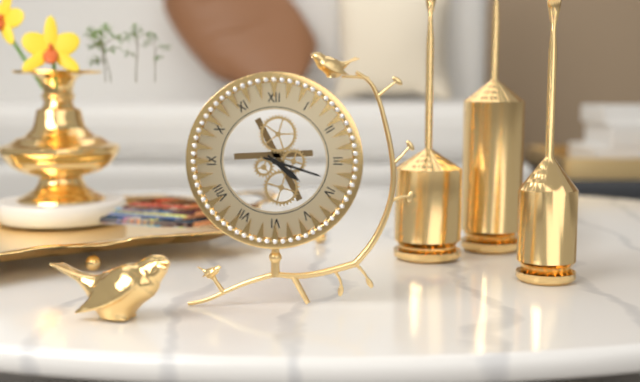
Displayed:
4:18
